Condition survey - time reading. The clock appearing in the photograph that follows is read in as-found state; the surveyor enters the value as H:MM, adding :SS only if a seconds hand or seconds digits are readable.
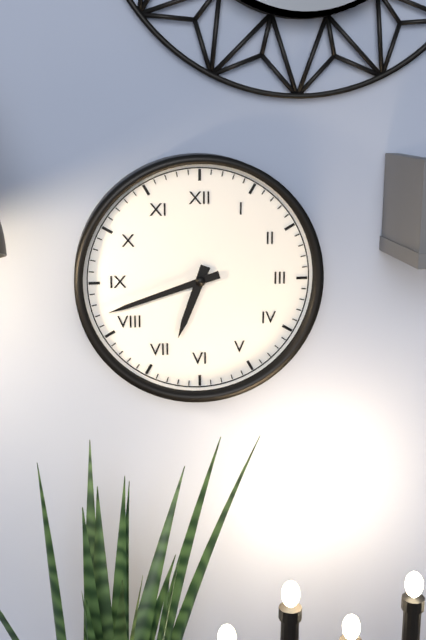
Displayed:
6:42
